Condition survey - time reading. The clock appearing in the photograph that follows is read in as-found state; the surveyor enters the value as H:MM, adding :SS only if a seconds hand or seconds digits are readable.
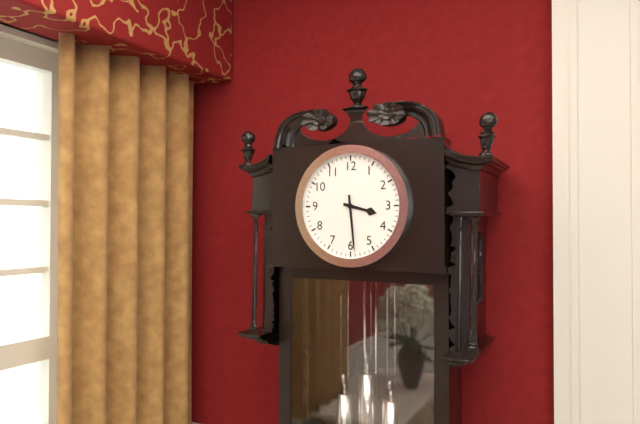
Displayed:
3:29
